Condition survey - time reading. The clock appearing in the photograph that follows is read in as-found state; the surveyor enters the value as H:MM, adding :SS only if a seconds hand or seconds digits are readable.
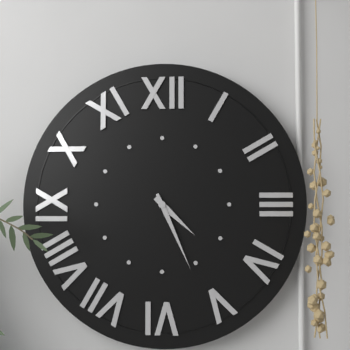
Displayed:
4:26
